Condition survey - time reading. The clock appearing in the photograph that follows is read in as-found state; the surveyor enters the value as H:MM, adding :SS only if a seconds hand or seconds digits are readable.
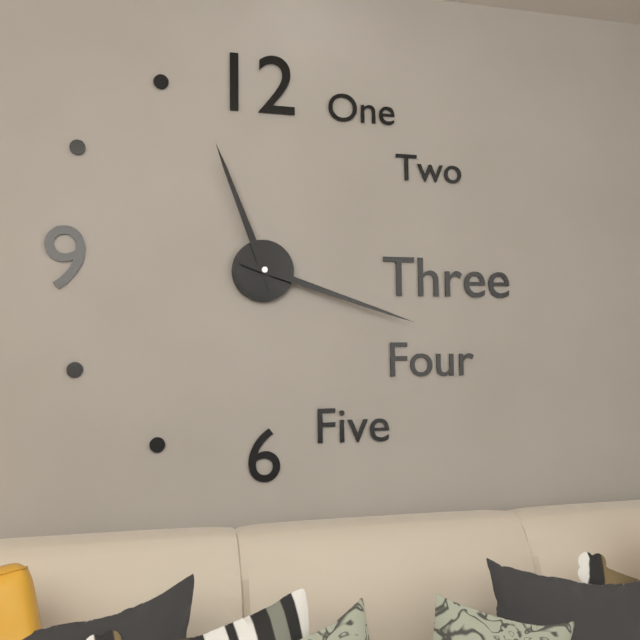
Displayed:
11:18
